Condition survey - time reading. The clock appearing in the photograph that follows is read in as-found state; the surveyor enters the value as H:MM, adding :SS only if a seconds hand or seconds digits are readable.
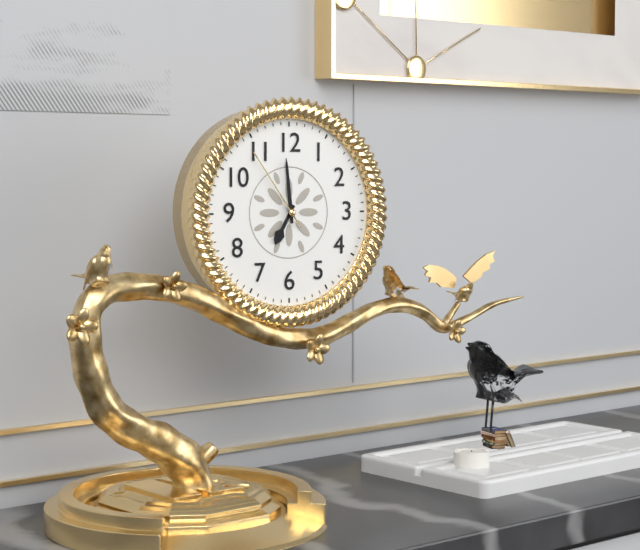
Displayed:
6:59:54
